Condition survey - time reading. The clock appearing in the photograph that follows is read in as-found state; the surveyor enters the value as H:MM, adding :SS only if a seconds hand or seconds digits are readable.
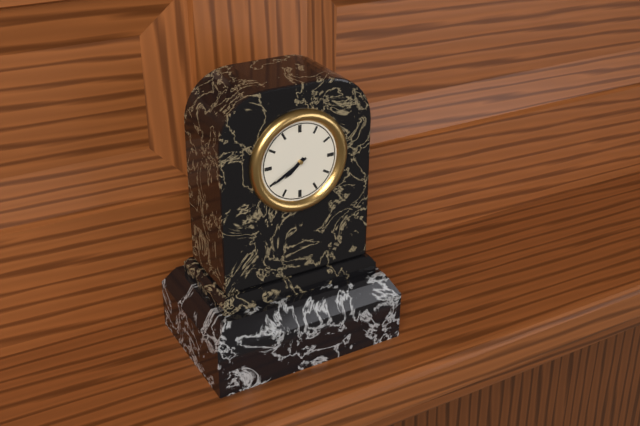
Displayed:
7:40
